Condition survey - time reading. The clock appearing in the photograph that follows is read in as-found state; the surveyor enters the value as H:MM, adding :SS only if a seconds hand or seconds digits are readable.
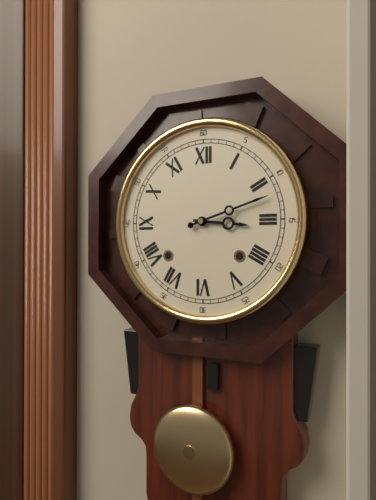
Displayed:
3:12
